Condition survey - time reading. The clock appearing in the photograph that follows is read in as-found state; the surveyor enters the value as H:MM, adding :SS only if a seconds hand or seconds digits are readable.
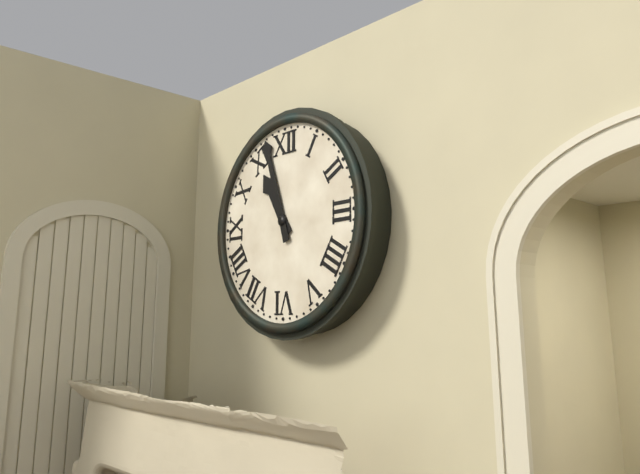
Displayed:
10:57
